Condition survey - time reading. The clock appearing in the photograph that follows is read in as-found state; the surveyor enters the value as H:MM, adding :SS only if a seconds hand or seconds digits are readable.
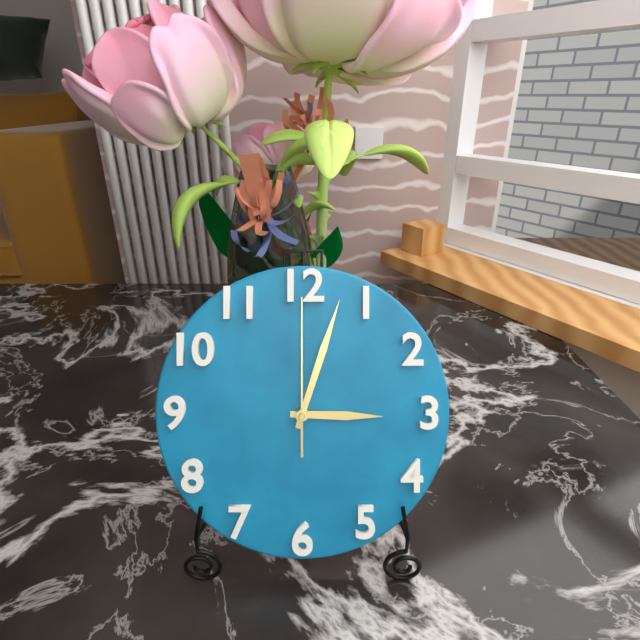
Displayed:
3:03:00
